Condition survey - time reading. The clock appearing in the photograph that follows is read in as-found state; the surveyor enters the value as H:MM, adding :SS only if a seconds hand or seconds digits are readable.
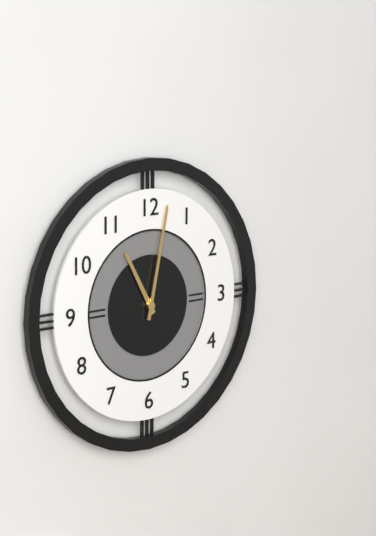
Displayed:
11:02
